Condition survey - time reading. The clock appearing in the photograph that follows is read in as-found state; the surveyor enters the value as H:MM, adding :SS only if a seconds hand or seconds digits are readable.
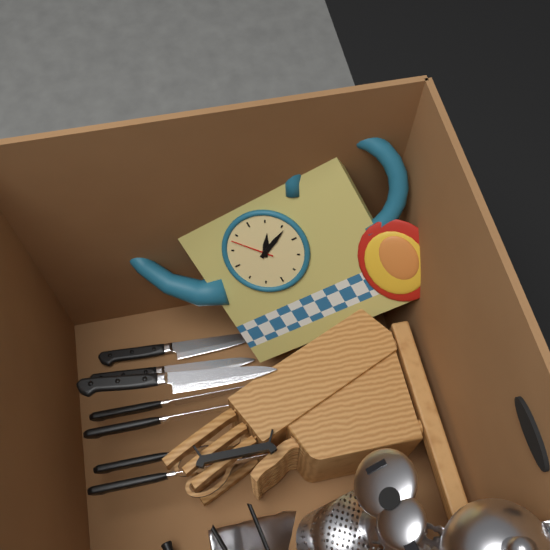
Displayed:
1:11
